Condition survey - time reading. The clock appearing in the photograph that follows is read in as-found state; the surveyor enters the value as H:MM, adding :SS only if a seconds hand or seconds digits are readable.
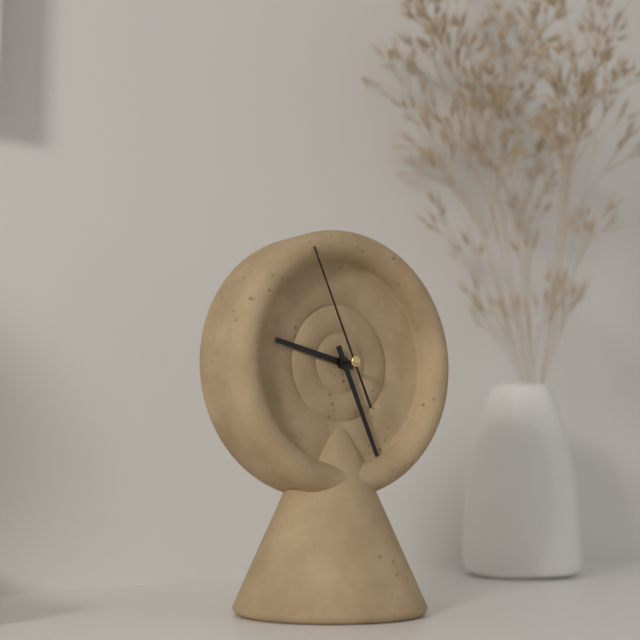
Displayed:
9:26:56
